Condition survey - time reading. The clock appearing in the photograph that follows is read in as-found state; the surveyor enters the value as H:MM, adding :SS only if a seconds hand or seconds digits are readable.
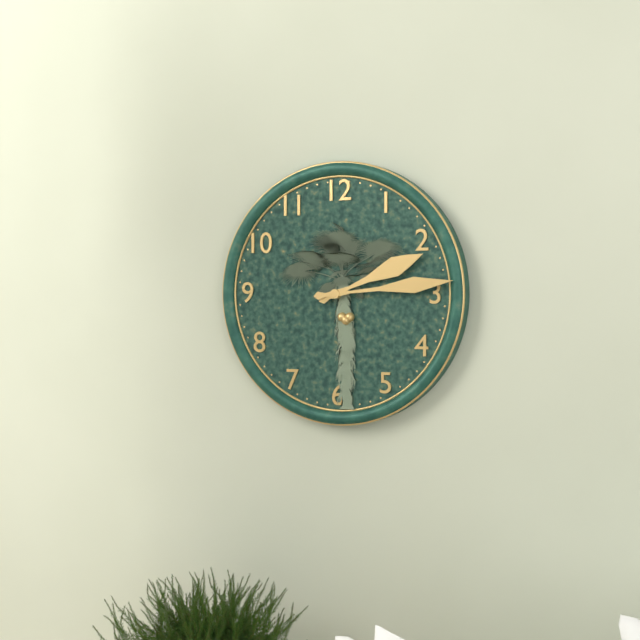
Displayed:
2:14
